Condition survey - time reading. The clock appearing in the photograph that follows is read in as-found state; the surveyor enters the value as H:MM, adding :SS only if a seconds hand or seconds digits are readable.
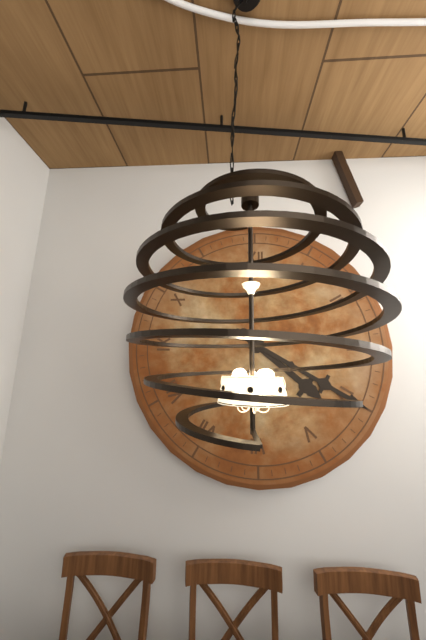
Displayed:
4:20
